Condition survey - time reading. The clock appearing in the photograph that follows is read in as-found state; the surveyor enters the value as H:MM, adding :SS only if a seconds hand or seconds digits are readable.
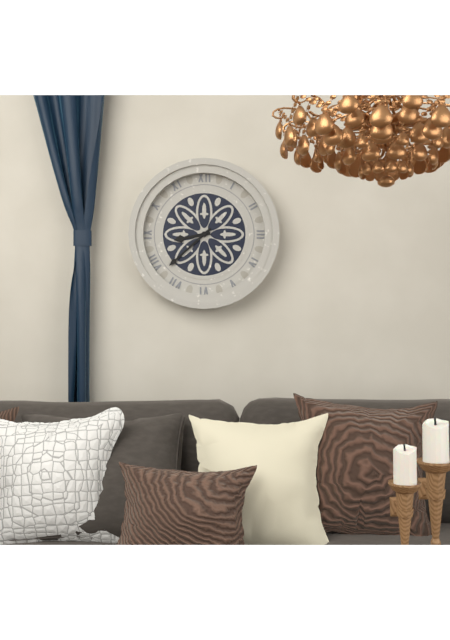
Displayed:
8:38
